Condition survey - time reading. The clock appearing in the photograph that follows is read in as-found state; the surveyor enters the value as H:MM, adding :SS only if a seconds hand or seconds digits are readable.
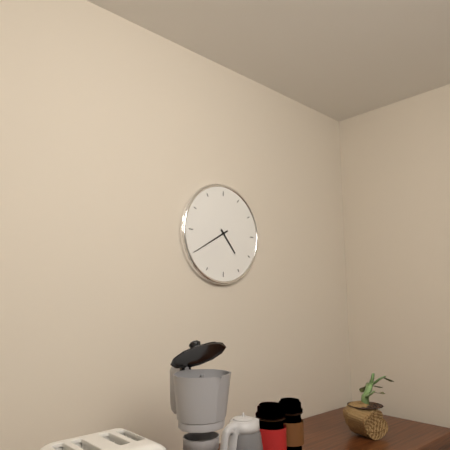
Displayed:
4:40
